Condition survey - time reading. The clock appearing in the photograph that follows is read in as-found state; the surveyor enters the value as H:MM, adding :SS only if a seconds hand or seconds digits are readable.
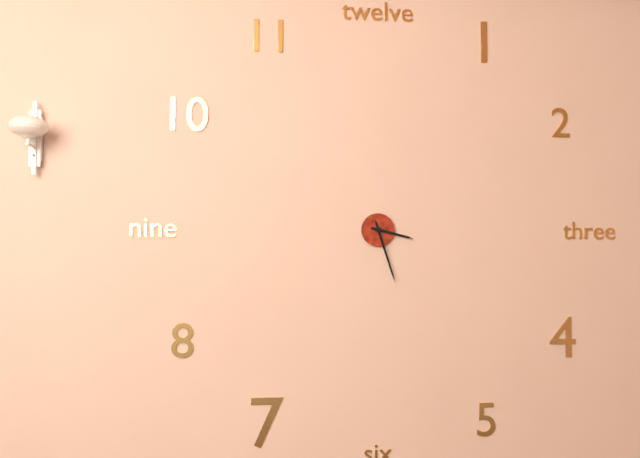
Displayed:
3:27
